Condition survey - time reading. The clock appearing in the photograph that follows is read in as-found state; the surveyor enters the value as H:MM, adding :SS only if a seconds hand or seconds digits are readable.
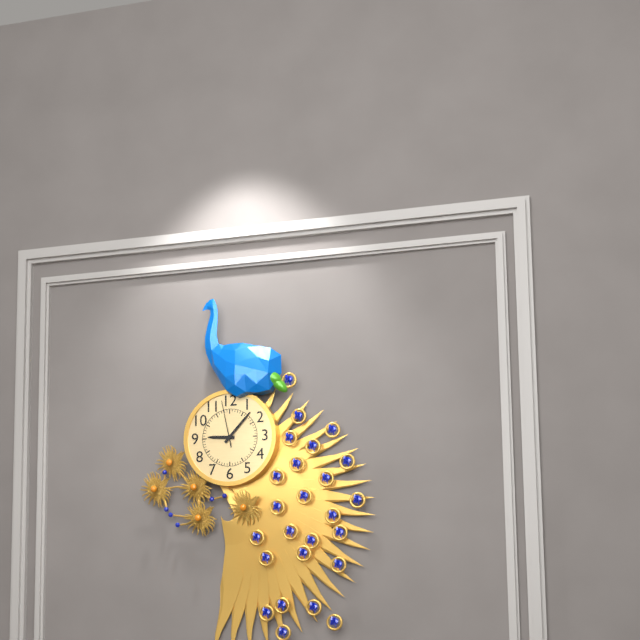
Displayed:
9:07
